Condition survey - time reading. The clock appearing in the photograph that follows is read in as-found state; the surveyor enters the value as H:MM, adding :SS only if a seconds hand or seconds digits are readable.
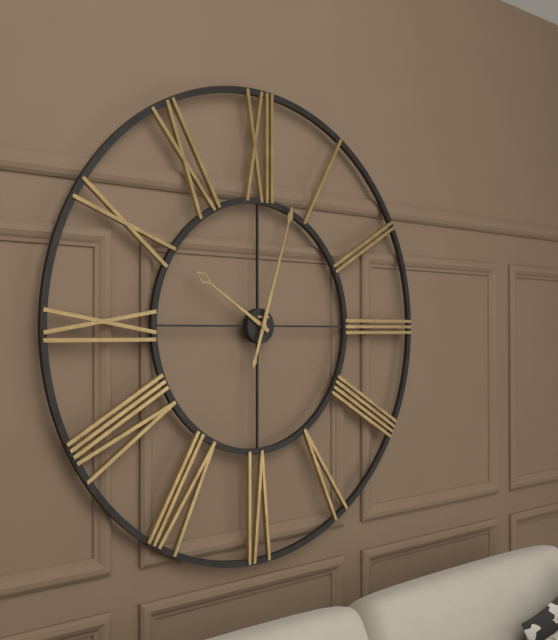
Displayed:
10:03
